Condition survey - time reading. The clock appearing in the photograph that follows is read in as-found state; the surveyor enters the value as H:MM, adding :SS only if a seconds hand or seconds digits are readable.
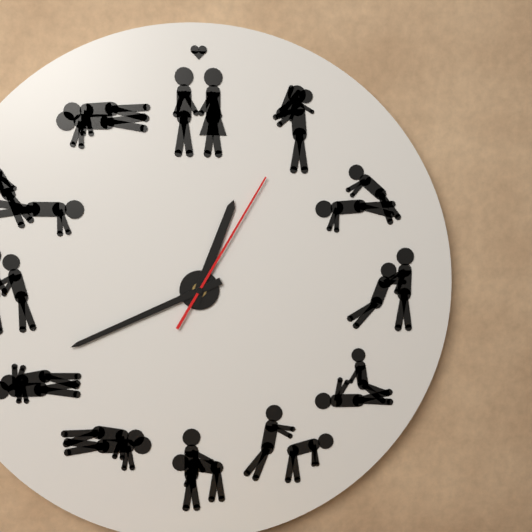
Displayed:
12:41:05
